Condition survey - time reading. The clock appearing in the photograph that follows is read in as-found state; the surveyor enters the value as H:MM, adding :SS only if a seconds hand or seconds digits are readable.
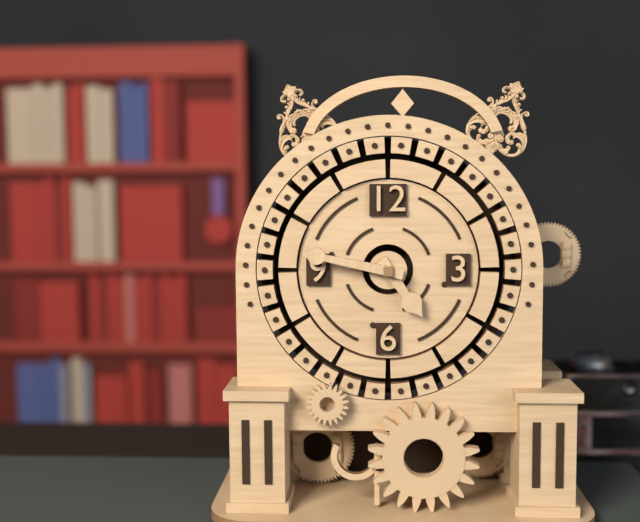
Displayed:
4:47
